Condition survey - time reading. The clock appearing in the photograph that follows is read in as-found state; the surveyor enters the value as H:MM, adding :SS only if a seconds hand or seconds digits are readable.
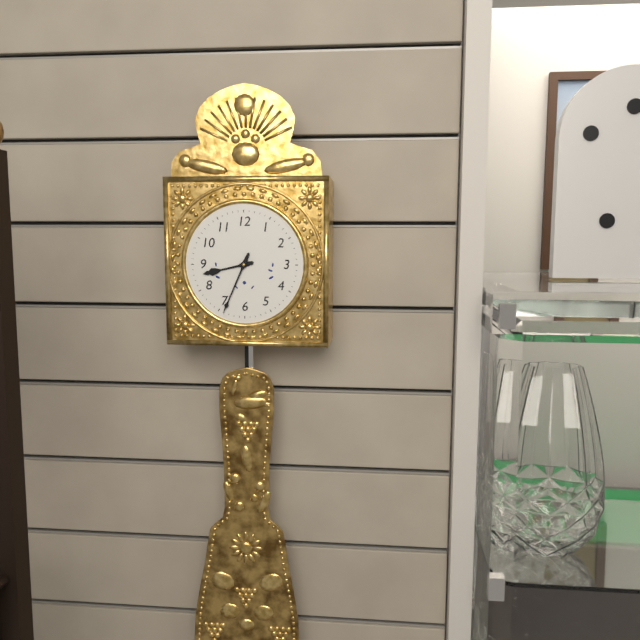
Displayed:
8:34
